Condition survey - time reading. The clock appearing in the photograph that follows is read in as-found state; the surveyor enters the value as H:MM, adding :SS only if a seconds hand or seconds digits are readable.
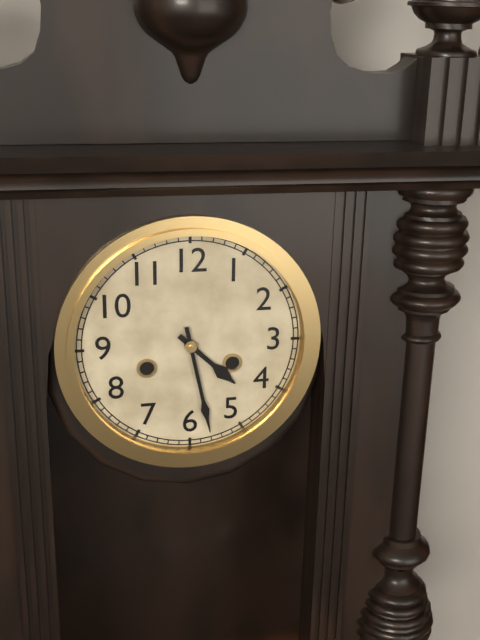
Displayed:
4:28
